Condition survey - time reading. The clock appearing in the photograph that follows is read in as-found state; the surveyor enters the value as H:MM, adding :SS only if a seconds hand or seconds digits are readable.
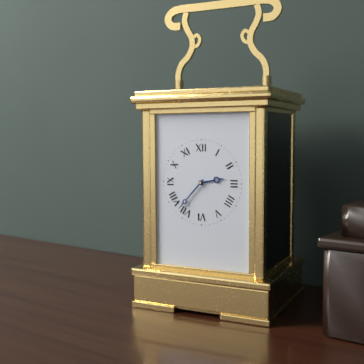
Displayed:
2:37
